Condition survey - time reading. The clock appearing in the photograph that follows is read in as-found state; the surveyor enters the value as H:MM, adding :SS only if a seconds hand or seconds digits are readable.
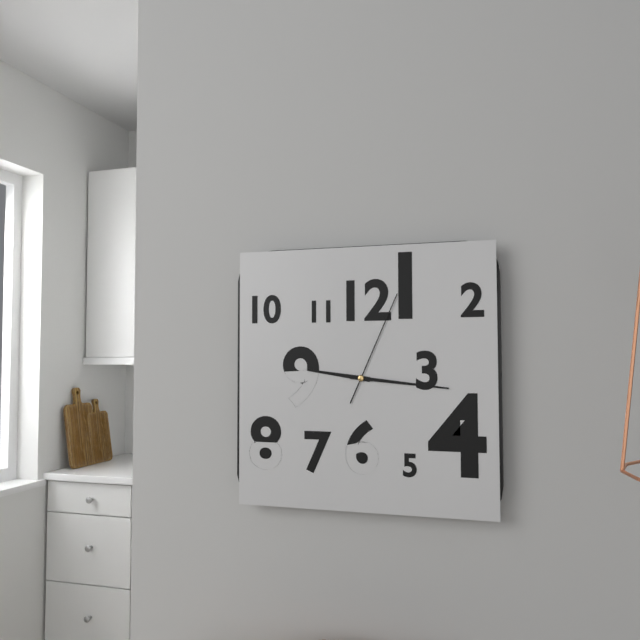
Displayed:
9:16:04
